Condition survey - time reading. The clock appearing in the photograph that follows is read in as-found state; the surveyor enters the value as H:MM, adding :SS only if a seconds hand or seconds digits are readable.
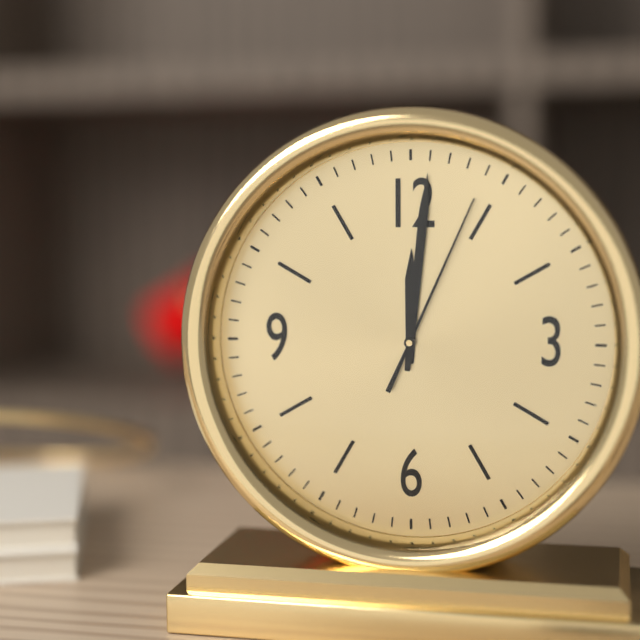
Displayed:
12:01:04
